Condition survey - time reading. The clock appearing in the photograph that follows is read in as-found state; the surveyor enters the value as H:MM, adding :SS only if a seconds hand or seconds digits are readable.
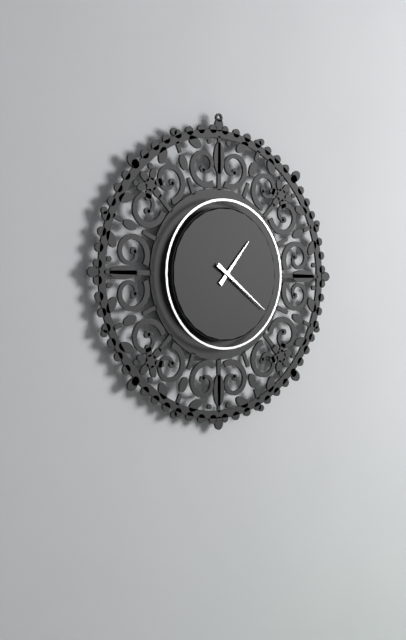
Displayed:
1:21
